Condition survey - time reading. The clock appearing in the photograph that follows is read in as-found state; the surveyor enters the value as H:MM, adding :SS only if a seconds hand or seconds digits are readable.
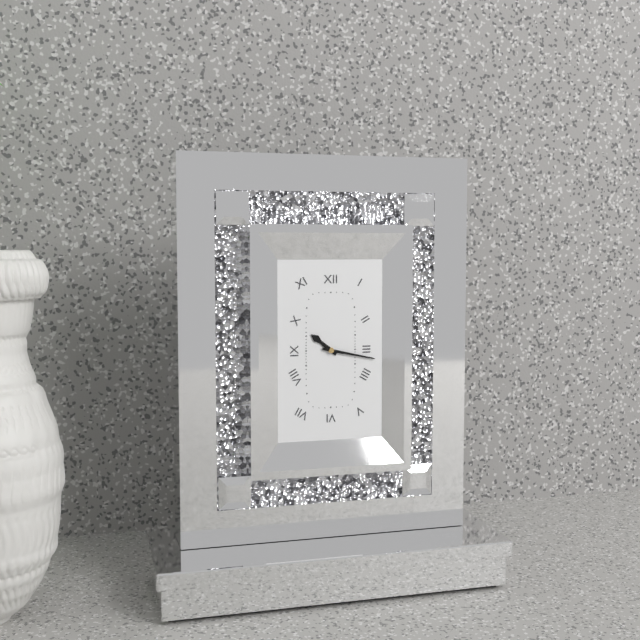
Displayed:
10:17
